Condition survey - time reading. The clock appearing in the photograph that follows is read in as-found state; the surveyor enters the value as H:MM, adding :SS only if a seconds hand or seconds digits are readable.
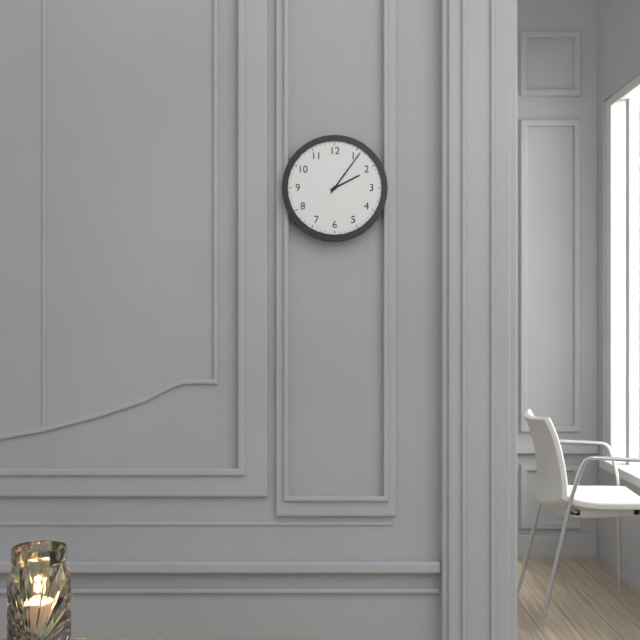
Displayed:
2:06
